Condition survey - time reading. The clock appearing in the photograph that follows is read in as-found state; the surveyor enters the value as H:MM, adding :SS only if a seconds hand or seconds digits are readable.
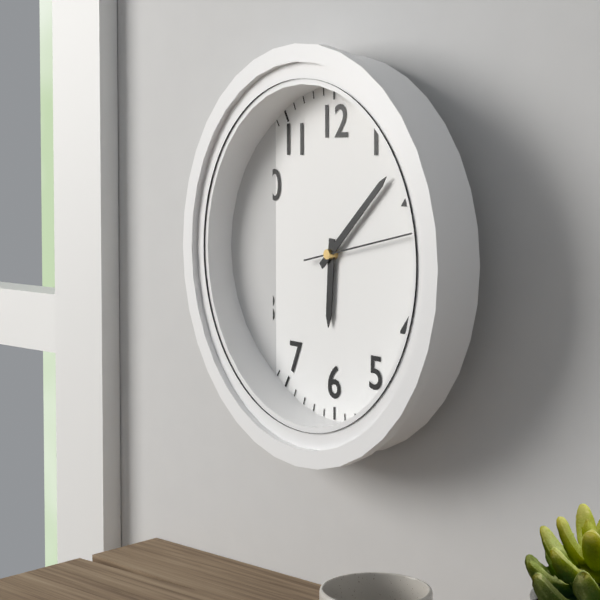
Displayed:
6:08:13
